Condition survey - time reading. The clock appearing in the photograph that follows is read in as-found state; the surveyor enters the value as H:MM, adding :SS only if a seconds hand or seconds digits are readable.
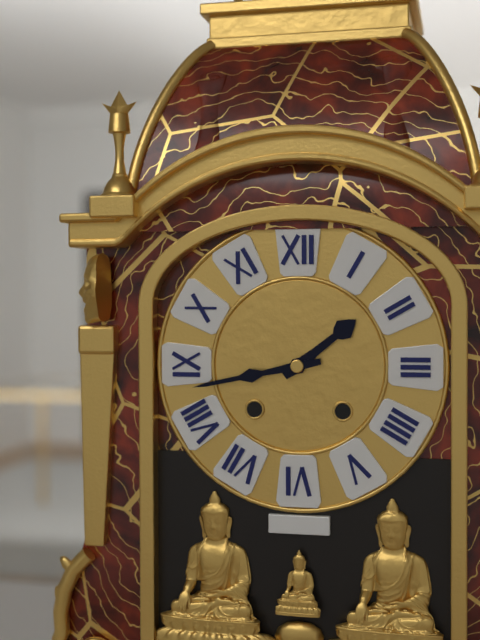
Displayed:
1:43
